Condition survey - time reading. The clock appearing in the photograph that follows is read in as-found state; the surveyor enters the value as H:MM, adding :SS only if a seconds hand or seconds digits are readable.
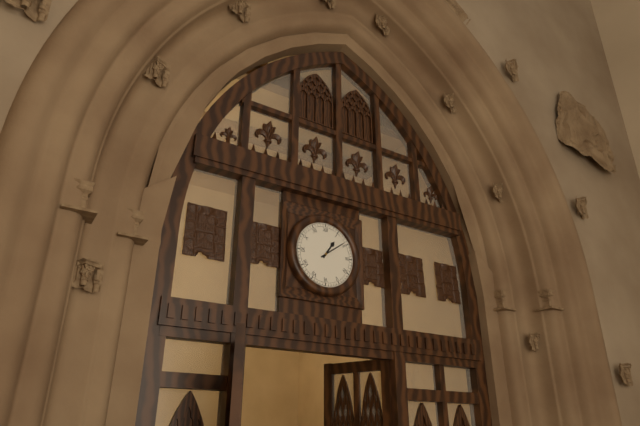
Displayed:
1:09
